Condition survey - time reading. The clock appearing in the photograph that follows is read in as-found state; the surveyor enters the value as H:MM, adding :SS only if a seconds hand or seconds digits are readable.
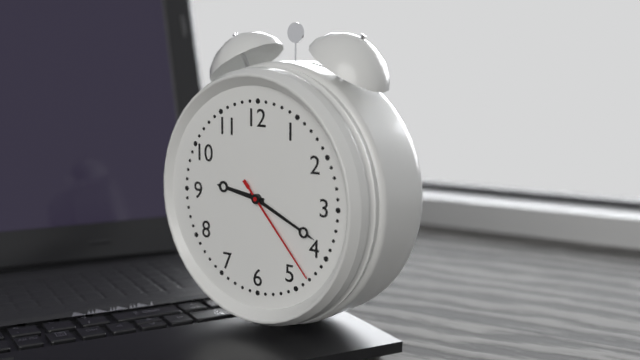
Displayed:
9:19:23
